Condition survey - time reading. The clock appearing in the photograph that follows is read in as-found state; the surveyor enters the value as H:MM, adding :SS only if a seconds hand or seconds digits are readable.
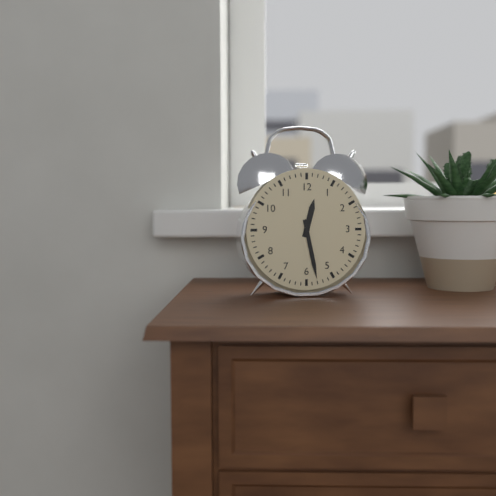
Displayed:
12:28
